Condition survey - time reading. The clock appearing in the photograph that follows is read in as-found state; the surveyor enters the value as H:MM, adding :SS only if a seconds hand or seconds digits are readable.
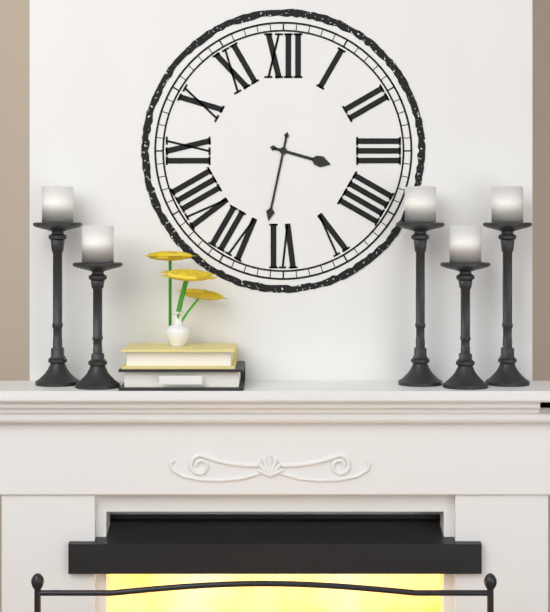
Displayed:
3:32
